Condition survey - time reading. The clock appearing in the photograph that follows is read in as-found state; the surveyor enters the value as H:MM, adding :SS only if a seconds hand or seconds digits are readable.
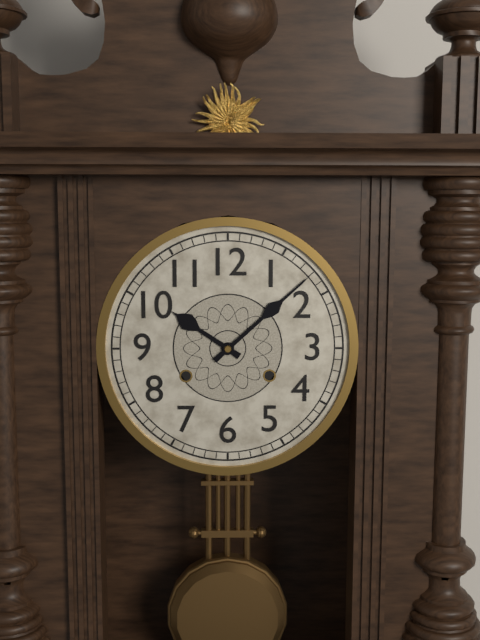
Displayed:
10:08
